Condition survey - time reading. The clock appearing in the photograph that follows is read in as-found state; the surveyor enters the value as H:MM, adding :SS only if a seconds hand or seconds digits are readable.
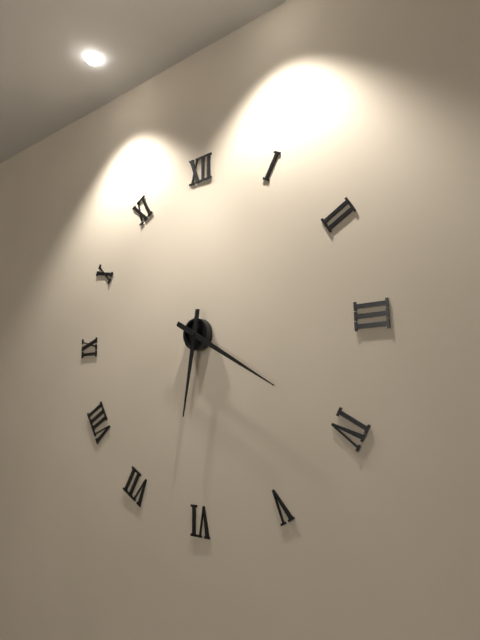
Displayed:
6:20
